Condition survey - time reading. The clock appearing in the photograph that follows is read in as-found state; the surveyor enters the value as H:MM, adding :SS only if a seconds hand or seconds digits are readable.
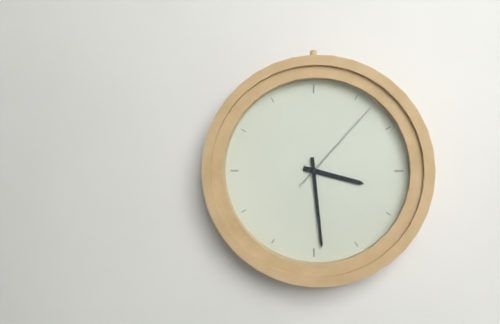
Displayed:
3:29:07
